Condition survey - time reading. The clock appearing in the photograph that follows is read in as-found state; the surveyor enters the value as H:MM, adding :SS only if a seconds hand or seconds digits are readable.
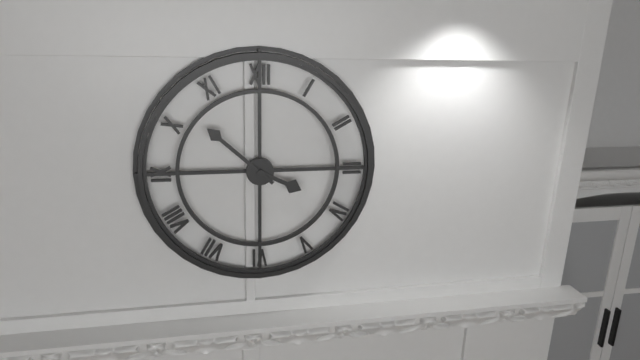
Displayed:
3:52
